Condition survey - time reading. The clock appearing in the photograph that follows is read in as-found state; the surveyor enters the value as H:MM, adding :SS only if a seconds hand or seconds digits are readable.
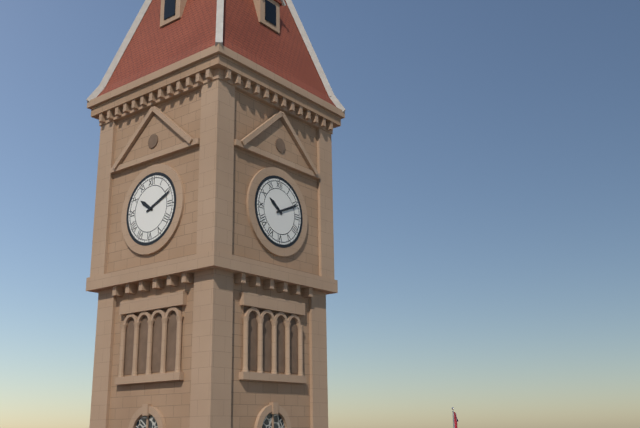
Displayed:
10:11
